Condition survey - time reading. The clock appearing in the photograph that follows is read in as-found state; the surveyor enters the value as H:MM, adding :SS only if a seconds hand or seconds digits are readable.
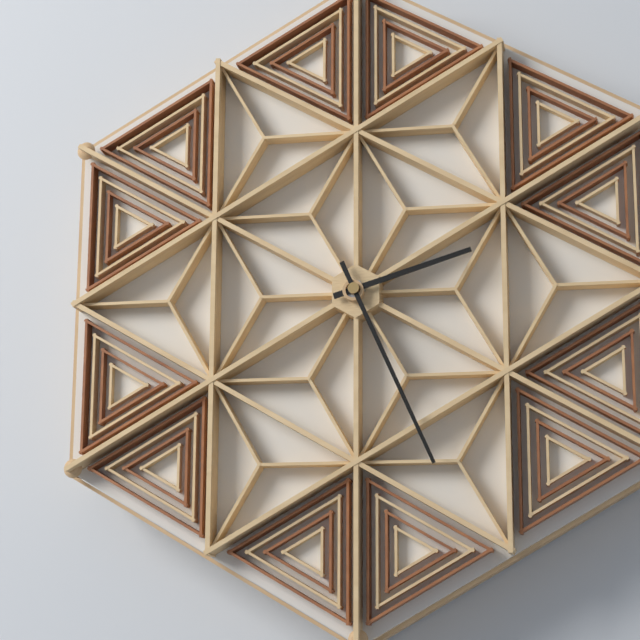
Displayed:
2:26
